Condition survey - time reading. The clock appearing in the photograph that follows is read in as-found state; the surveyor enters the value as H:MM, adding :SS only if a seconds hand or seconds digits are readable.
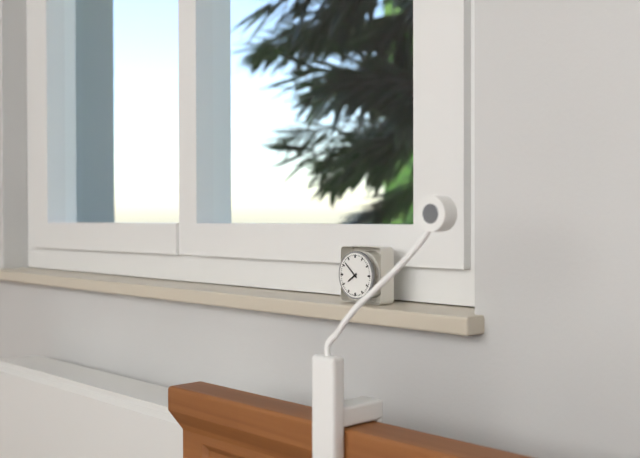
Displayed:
7:52
